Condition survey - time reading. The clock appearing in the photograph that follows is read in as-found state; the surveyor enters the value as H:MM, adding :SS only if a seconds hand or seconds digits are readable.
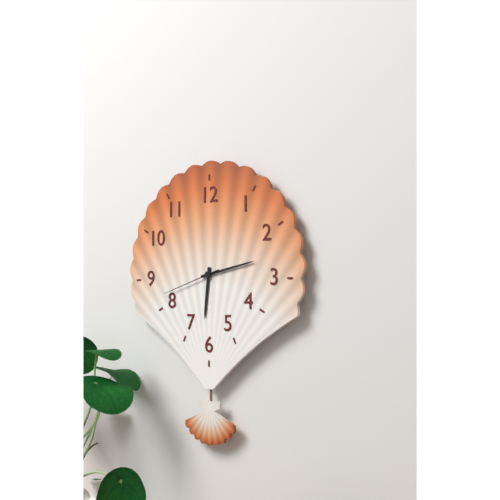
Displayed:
6:13:42
